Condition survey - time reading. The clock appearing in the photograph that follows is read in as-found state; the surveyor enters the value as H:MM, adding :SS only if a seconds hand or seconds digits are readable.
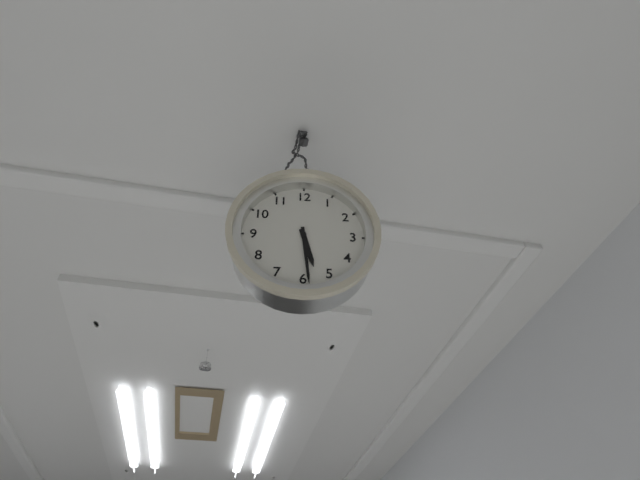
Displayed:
5:29
